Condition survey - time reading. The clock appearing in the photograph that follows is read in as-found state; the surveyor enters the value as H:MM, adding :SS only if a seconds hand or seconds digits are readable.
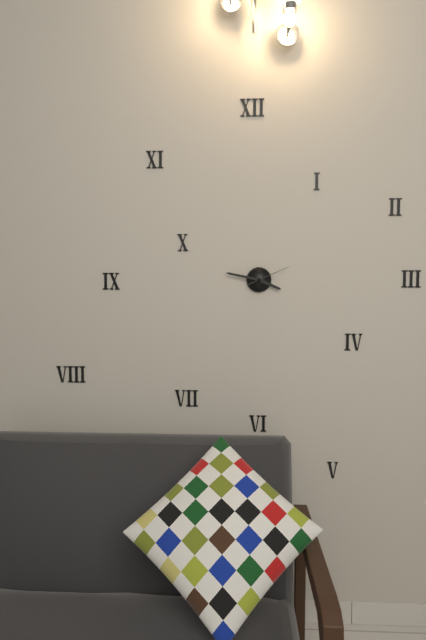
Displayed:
3:47
